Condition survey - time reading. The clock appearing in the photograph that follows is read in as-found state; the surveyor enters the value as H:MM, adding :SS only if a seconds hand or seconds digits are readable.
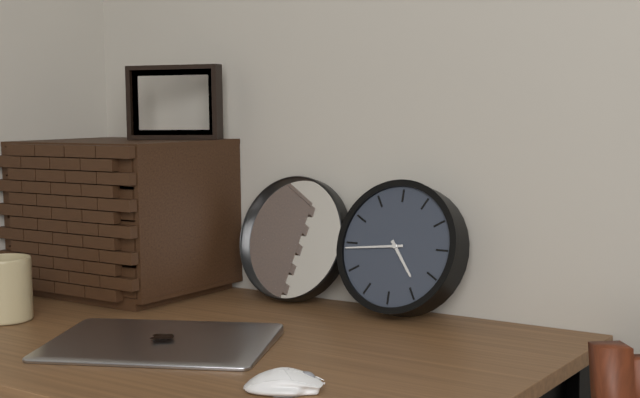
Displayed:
4:44
